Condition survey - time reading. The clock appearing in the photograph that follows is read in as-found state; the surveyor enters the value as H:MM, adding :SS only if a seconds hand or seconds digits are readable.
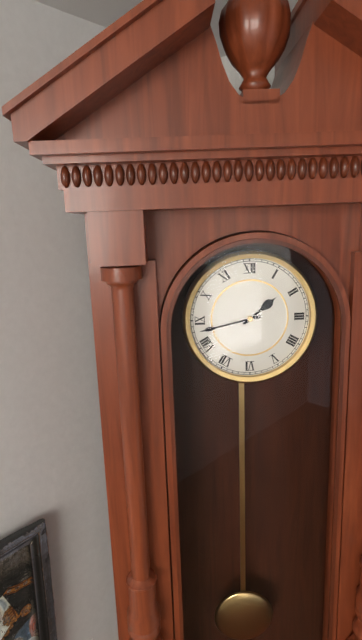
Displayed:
1:43
